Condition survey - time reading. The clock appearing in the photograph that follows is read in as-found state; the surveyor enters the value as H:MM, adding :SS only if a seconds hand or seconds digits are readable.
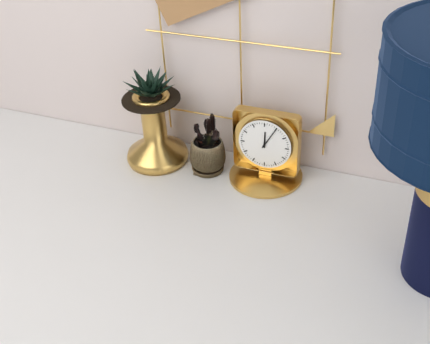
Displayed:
12:05
